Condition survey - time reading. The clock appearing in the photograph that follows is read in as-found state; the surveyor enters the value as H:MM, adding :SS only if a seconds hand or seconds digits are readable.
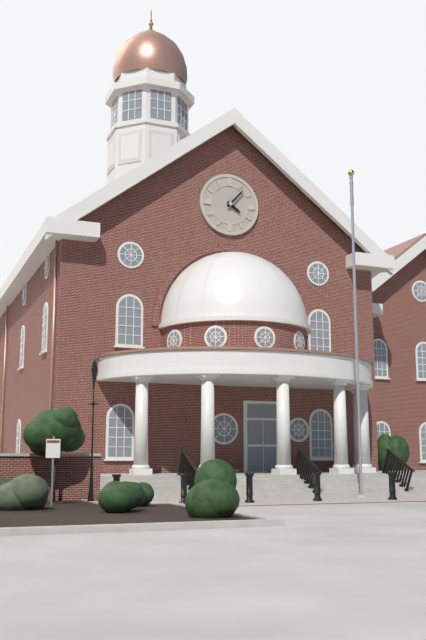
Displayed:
4:07
